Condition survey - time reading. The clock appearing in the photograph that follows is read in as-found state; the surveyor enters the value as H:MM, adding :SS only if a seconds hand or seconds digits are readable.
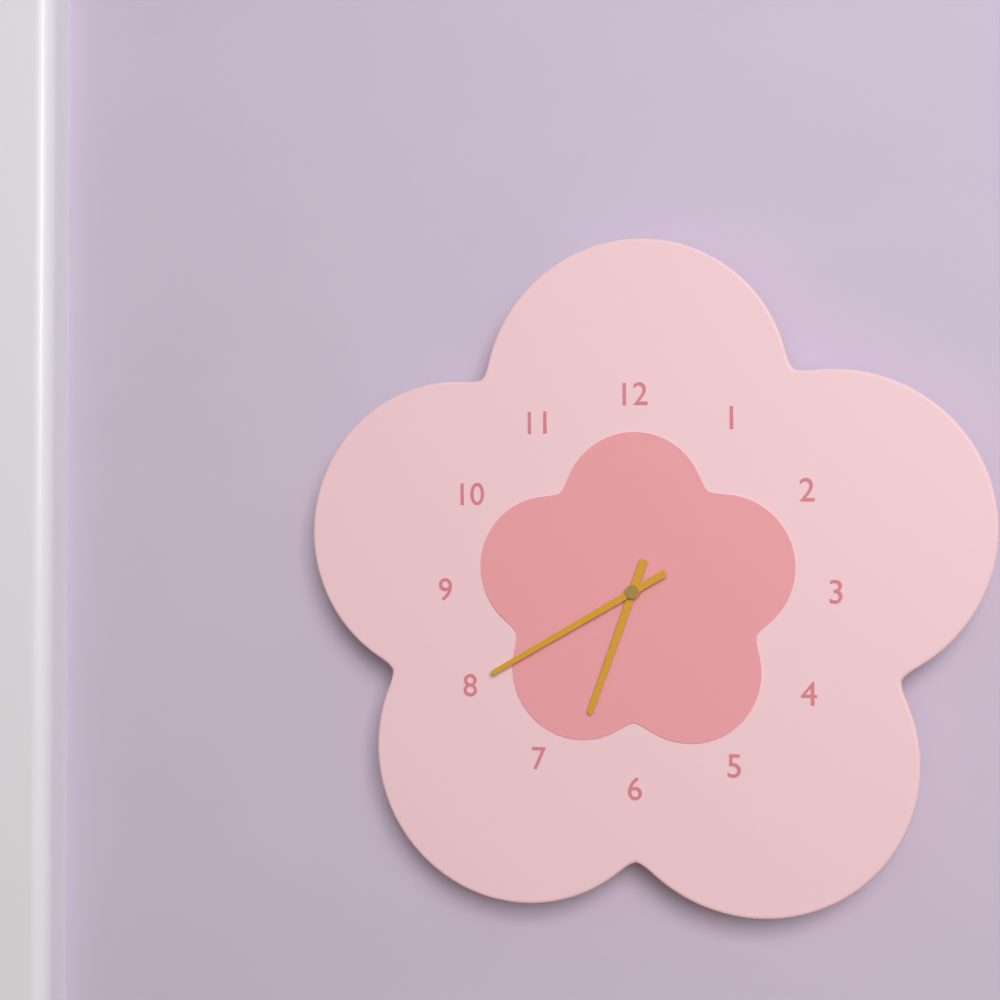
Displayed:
6:40
